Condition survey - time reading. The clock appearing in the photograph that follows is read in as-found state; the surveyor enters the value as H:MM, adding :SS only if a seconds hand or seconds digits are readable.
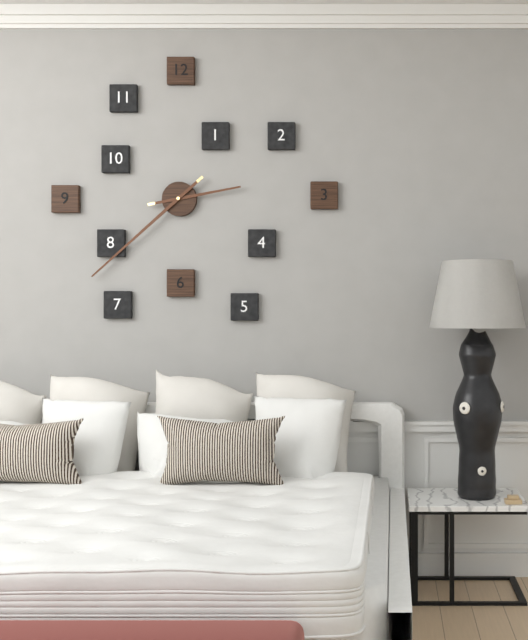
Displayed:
2:38
